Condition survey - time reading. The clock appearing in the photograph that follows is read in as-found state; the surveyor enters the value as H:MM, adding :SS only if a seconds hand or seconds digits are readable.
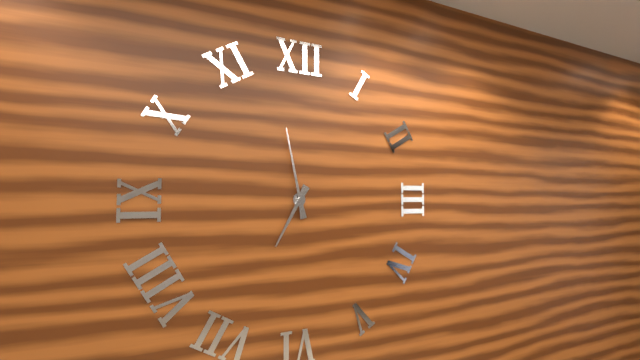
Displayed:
6:58
